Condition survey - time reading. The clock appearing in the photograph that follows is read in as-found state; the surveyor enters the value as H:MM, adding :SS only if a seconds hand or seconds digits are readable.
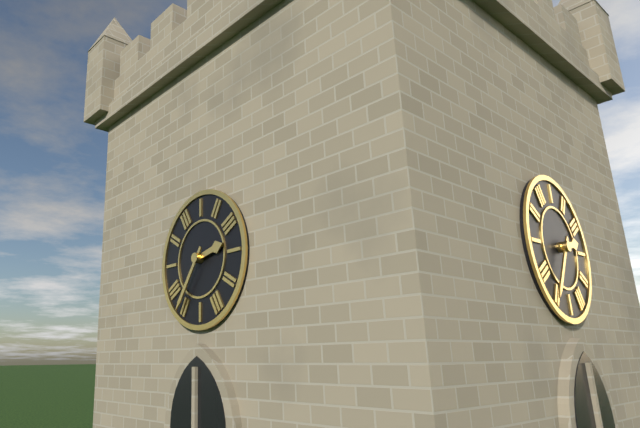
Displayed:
2:36
